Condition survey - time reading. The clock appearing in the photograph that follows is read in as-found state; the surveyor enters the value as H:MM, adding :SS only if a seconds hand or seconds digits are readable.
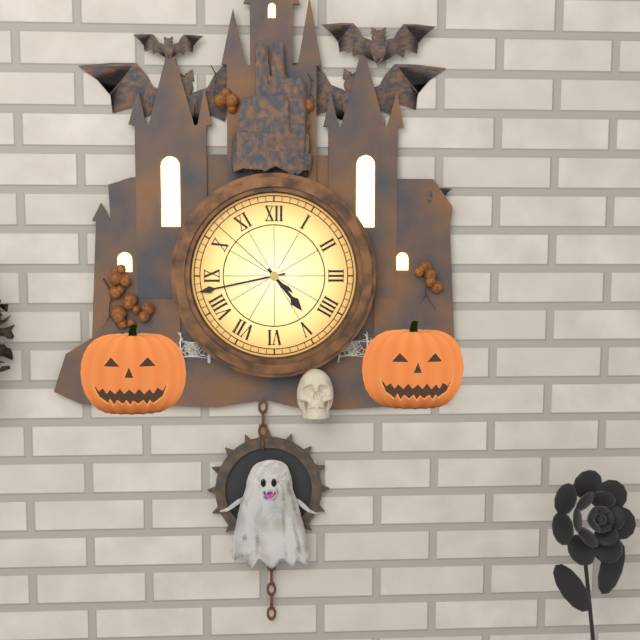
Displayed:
4:43:52
